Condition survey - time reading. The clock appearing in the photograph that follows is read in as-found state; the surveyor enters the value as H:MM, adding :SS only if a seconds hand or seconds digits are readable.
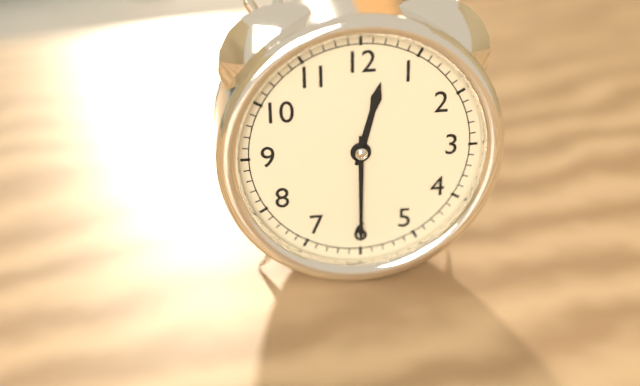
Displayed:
12:30
